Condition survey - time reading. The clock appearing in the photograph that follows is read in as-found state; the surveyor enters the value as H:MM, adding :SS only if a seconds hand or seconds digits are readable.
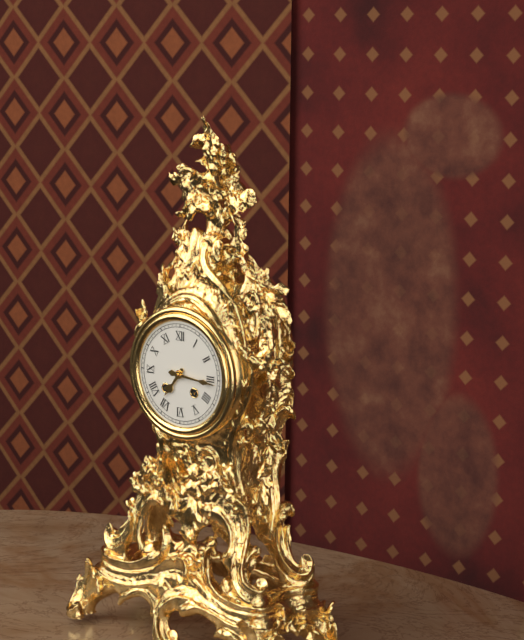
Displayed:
7:16
